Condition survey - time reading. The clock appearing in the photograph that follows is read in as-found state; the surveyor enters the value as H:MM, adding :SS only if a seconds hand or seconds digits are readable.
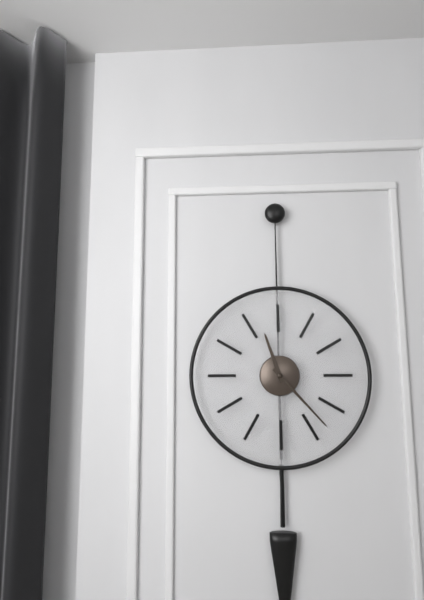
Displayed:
11:23
